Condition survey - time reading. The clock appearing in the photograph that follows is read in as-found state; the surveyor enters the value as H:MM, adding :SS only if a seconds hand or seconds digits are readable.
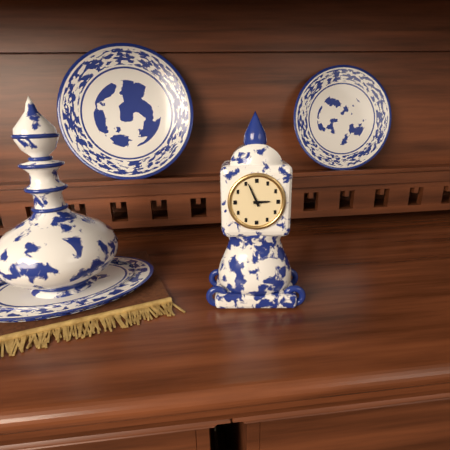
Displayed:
2:56
